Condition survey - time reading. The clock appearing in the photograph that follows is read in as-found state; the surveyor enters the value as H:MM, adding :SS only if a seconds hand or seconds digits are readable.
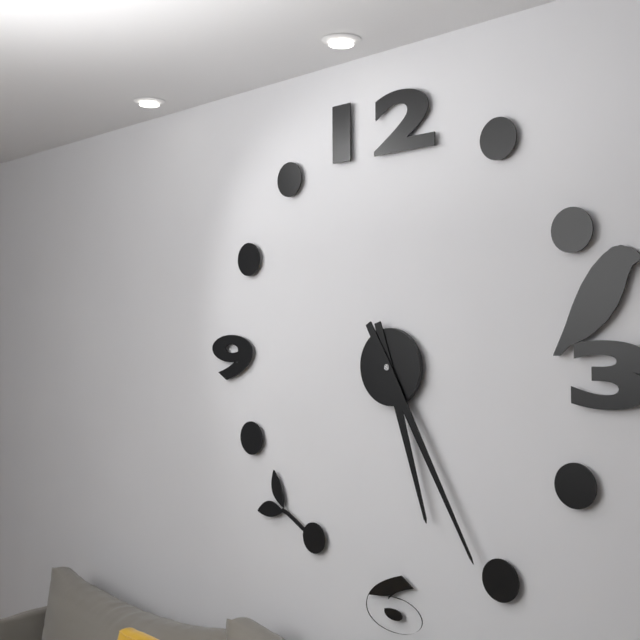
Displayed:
5:25
